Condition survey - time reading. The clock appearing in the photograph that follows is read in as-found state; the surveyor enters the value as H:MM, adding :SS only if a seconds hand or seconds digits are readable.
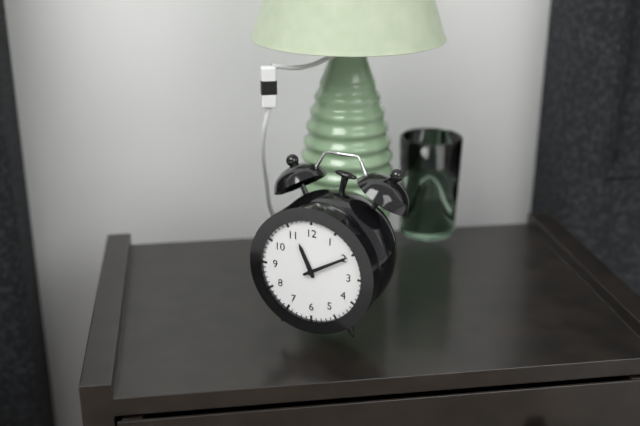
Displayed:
11:10
